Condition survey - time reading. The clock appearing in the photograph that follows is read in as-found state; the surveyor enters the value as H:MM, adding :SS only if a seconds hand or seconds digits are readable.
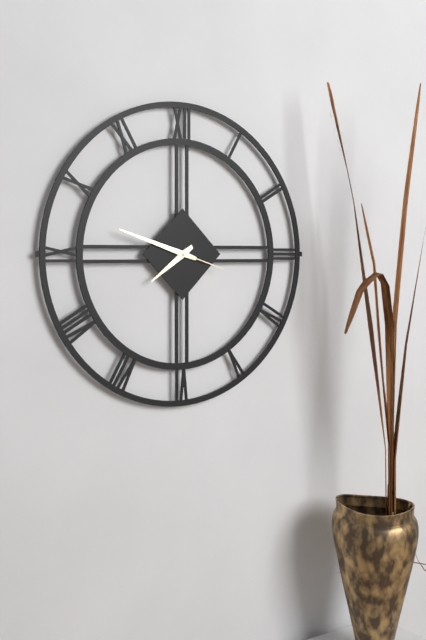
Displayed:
7:48:18
